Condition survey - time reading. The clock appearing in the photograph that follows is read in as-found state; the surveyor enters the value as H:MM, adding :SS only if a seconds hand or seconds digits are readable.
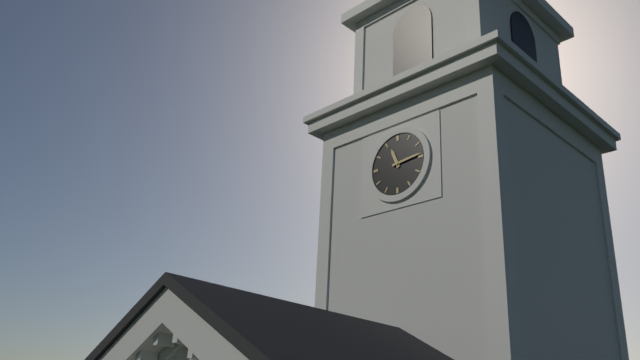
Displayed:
11:14
